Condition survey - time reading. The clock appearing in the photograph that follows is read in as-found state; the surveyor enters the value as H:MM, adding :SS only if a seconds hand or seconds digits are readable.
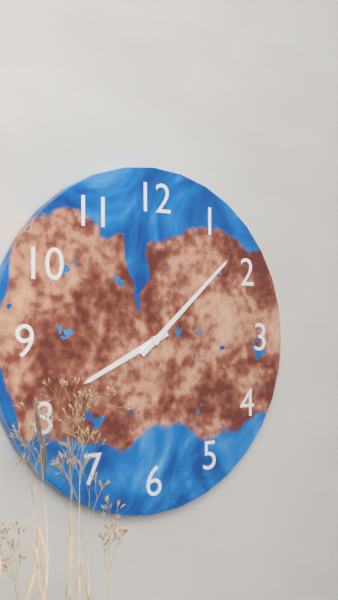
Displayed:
8:08
